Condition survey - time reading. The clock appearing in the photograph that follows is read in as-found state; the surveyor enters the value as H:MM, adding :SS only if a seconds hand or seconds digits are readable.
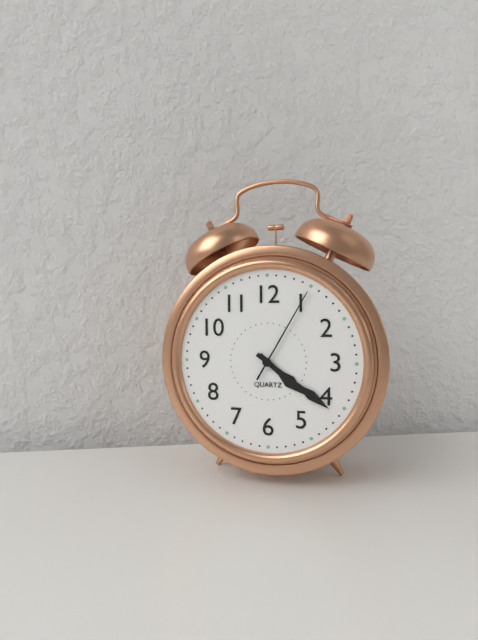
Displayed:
4:21:05
